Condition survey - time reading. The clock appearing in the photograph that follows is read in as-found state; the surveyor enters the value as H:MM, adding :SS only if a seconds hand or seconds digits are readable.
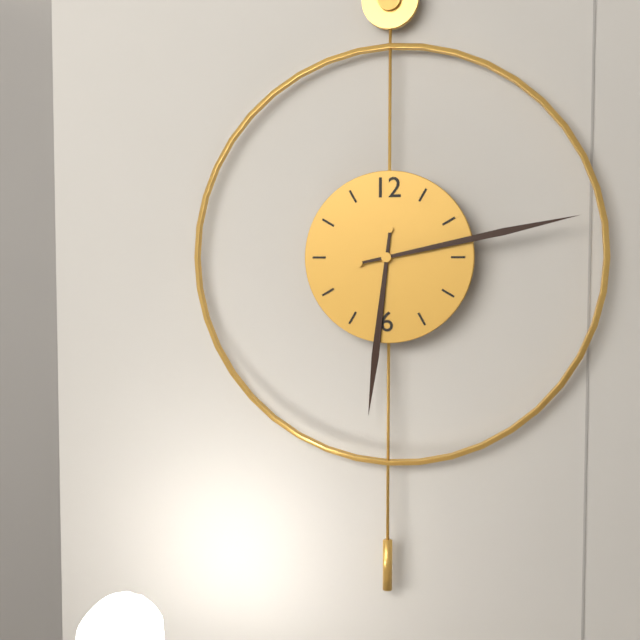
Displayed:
6:13
